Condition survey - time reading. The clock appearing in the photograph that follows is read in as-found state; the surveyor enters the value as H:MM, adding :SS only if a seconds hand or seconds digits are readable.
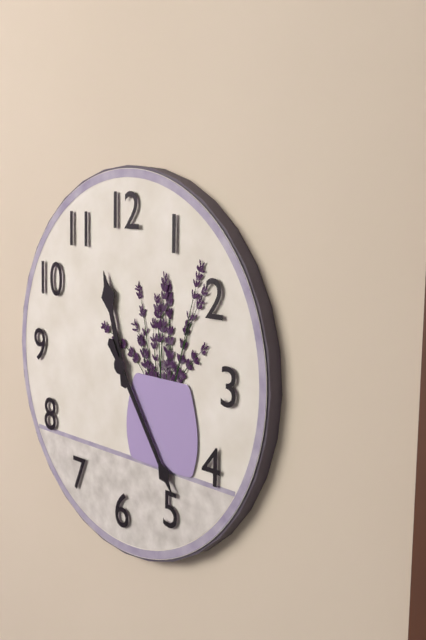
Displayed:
11:24
